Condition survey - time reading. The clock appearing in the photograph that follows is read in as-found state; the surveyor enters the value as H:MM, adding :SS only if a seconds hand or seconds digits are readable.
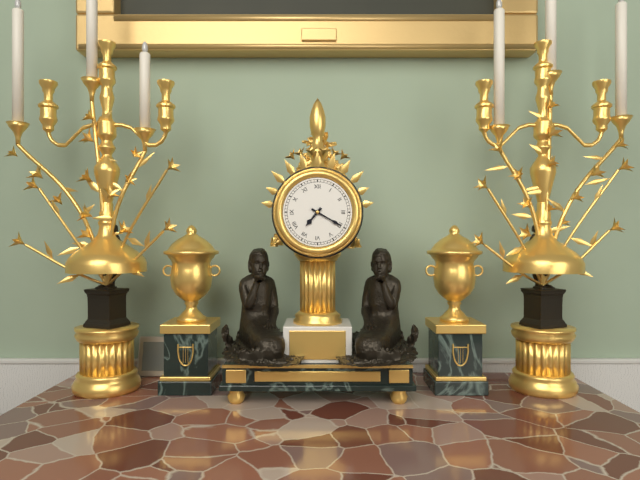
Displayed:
7:20
